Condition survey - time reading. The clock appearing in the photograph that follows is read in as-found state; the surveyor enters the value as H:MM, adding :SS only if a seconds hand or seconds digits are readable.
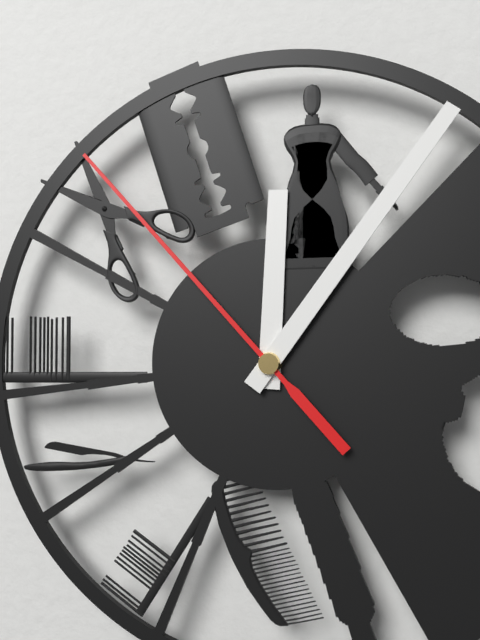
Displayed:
12:06:53
